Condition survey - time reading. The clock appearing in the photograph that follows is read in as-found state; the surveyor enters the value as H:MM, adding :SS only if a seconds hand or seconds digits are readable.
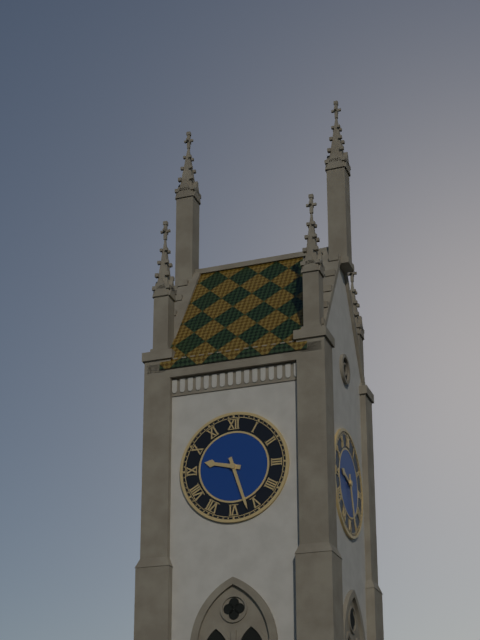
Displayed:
9:27
